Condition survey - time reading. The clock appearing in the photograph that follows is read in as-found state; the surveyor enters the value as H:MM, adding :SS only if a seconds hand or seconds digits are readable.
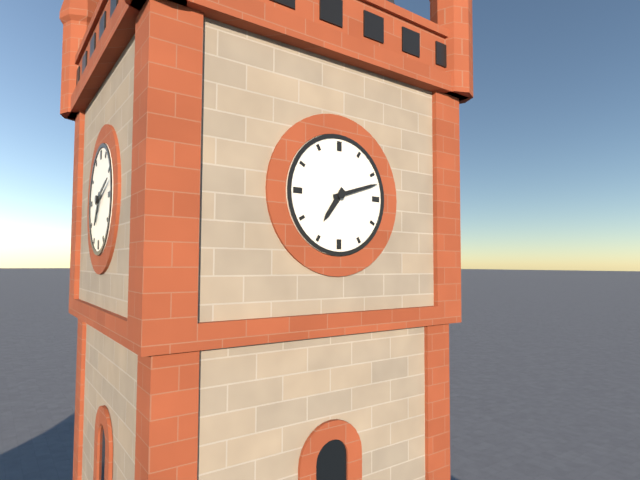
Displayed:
7:12
